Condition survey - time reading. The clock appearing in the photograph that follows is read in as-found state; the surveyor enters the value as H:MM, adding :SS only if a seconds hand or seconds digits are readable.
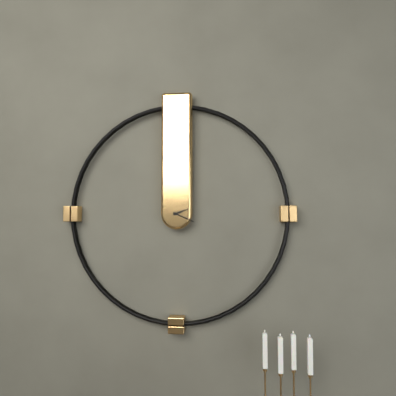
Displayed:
2:19
